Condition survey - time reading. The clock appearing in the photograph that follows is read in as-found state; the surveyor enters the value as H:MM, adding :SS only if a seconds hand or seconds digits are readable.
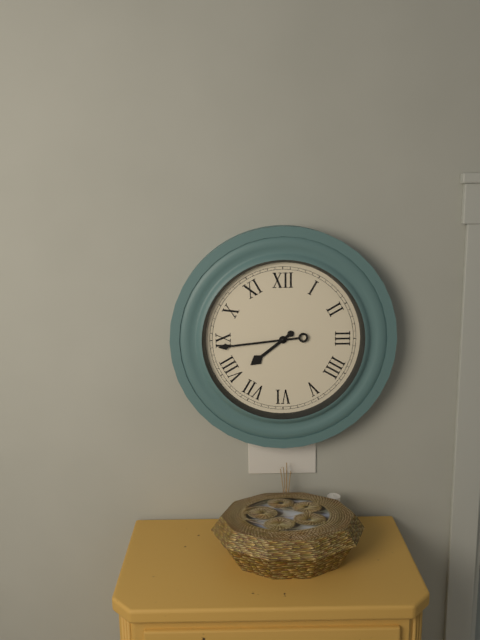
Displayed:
7:44
